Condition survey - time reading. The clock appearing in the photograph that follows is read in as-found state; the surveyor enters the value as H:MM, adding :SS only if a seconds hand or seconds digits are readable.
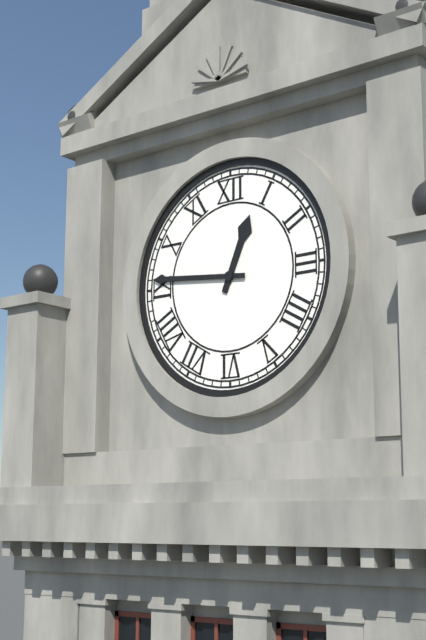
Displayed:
12:46
